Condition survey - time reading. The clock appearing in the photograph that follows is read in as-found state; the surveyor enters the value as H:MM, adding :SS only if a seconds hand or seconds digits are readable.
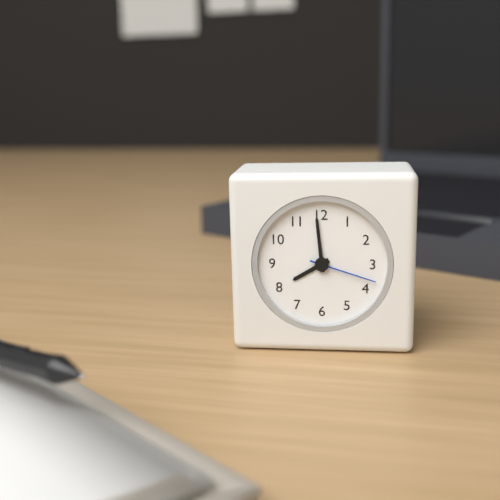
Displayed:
7:59:18
